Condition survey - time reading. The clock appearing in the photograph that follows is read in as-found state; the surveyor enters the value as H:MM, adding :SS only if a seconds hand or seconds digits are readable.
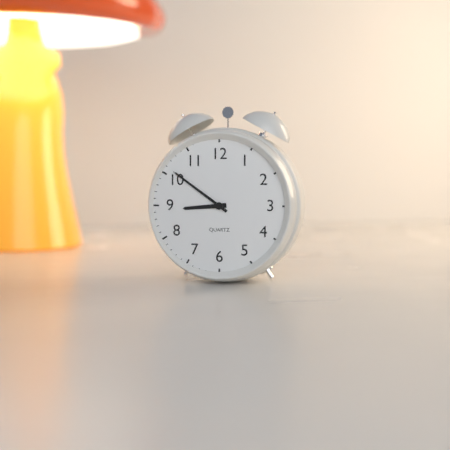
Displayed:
8:51
